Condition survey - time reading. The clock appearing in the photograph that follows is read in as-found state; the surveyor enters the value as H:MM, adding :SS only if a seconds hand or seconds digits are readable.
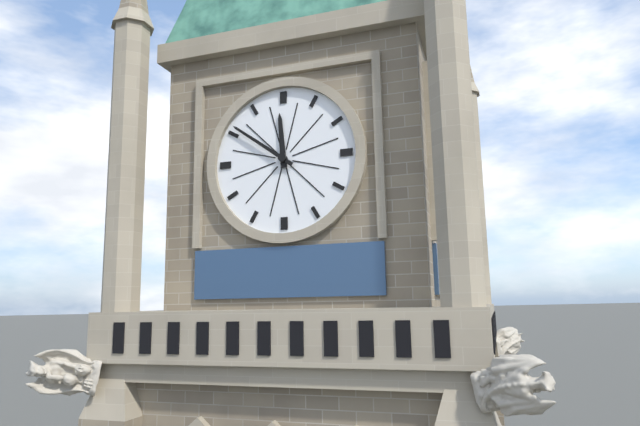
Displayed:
11:51
